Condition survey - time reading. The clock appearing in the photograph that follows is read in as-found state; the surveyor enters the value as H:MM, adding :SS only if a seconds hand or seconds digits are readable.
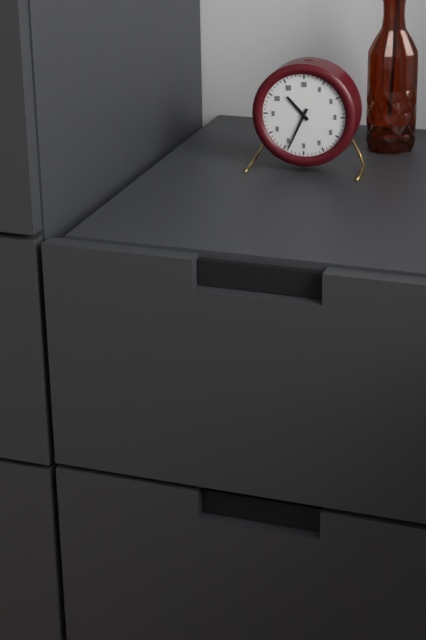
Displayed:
10:34
